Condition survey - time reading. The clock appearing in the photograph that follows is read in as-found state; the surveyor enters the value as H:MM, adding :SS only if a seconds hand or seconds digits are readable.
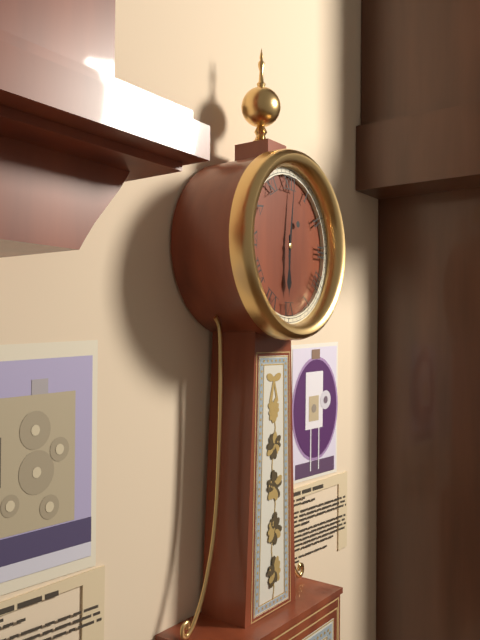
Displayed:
6:01
